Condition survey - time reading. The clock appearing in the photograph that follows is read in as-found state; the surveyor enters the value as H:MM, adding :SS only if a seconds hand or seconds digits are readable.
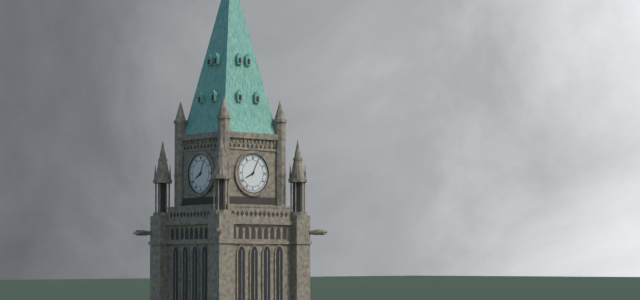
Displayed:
8:04
